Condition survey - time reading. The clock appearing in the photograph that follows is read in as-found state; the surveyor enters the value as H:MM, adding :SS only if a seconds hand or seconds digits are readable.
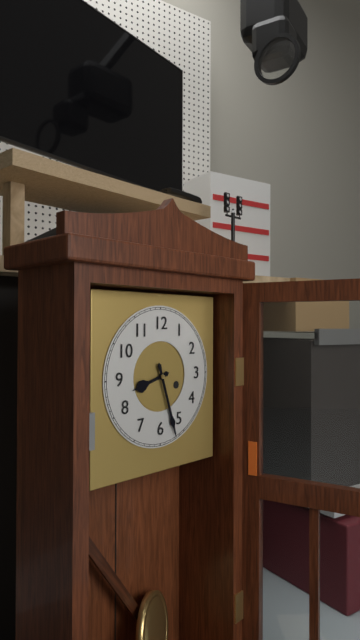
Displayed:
8:27
